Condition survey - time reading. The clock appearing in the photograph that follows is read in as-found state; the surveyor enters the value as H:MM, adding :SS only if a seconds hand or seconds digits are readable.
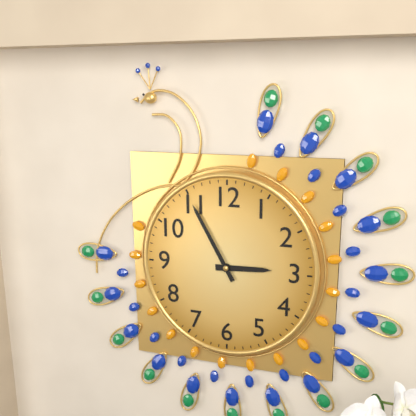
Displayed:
2:55
